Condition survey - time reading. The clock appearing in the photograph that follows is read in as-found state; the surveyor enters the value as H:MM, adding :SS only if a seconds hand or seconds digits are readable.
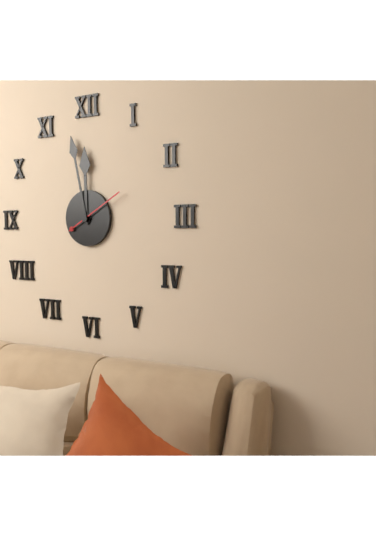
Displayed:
11:58:10
